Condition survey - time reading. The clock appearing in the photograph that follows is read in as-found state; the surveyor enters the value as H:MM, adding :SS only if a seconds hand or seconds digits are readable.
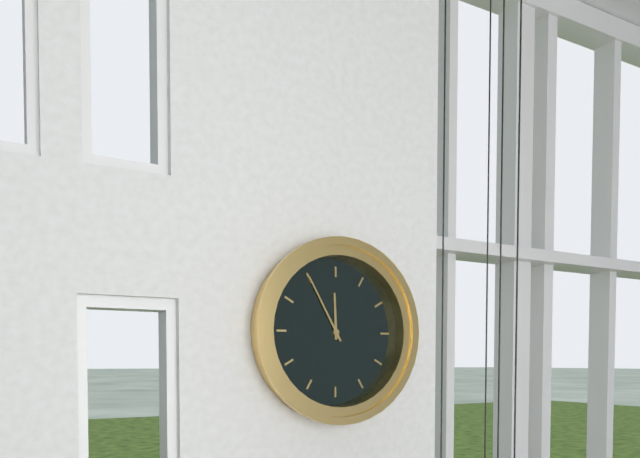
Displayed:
11:55
